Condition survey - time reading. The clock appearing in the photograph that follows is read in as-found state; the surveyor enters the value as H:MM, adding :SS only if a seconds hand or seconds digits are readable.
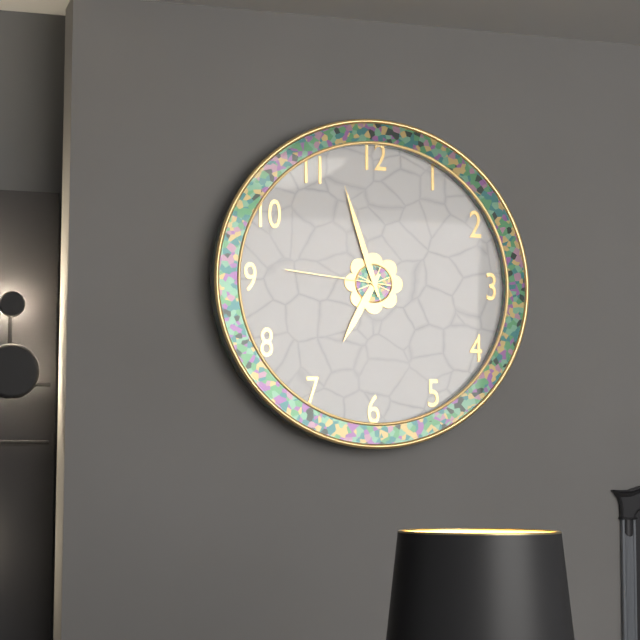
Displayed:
6:57:46
